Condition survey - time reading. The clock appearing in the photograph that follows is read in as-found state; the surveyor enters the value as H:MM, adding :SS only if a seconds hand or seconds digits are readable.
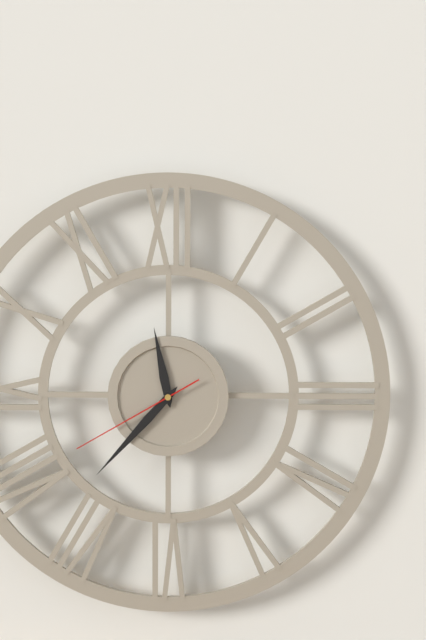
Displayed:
11:37:40
